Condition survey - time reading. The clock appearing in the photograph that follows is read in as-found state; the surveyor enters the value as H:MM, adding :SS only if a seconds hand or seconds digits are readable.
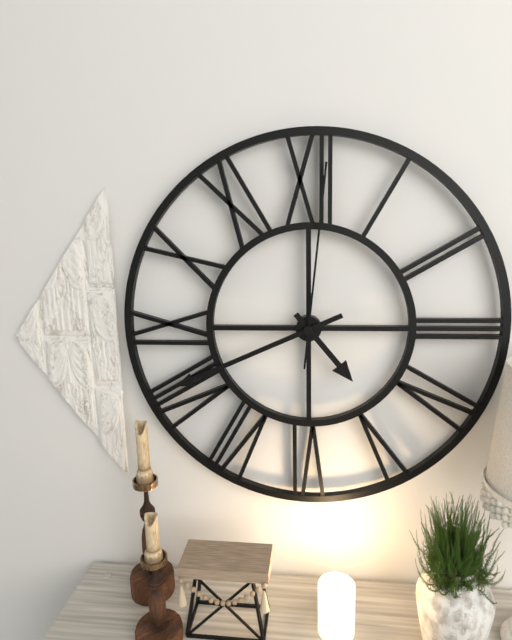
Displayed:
4:41:01
